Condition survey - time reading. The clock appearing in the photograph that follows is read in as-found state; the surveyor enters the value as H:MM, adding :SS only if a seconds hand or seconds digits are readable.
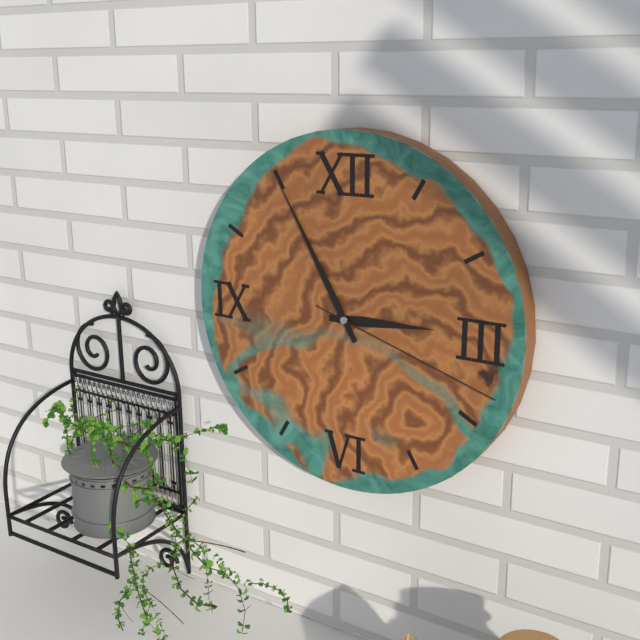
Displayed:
2:55:18
